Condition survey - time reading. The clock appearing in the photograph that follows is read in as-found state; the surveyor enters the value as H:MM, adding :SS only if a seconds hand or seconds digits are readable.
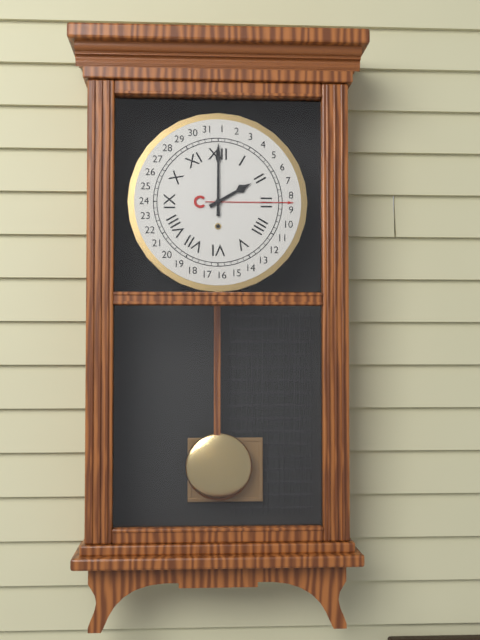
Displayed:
2:00
